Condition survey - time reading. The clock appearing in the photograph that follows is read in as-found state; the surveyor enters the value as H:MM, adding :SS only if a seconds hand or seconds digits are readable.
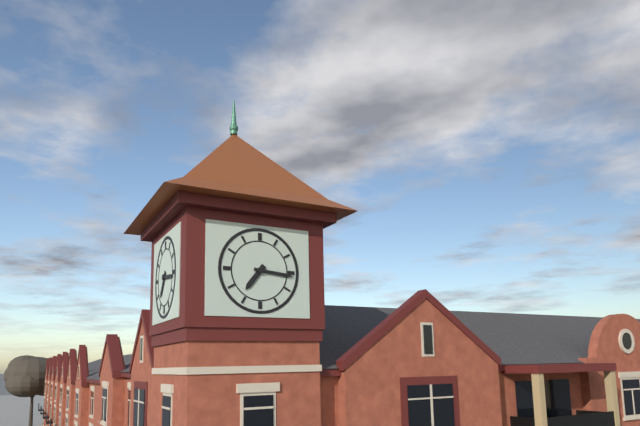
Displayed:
7:16
